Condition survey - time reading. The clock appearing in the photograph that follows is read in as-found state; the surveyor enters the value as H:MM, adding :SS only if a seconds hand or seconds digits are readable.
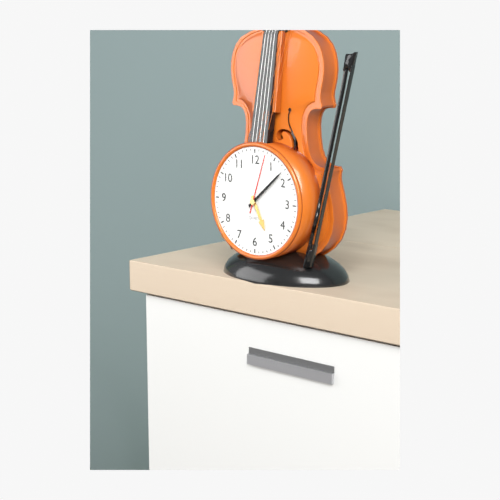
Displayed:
5:08:03
